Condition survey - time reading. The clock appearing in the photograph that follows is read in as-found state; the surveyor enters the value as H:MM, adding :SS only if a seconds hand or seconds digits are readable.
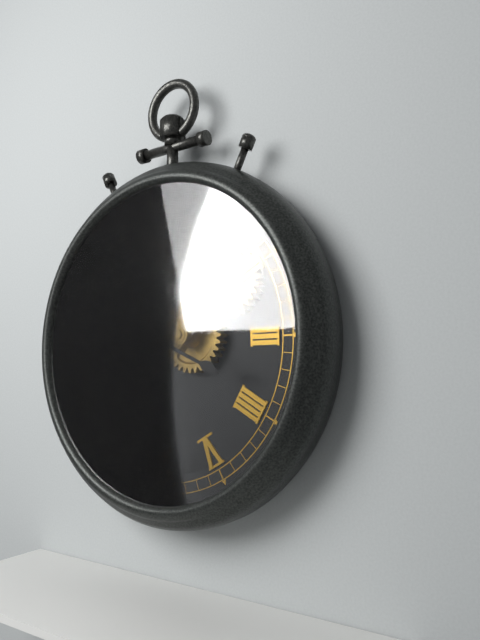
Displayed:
9:19:34
